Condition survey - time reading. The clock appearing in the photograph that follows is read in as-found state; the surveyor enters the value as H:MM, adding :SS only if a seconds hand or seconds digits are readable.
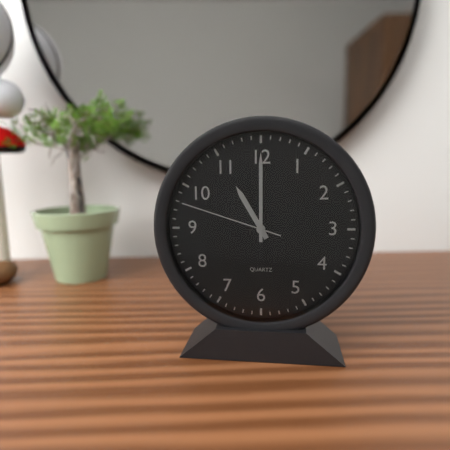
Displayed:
11:00:48
